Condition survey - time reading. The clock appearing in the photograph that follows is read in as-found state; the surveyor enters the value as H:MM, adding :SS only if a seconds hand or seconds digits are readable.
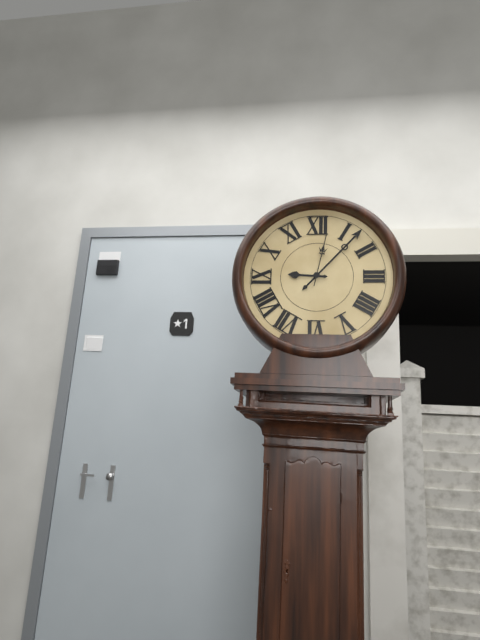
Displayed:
9:07:02
